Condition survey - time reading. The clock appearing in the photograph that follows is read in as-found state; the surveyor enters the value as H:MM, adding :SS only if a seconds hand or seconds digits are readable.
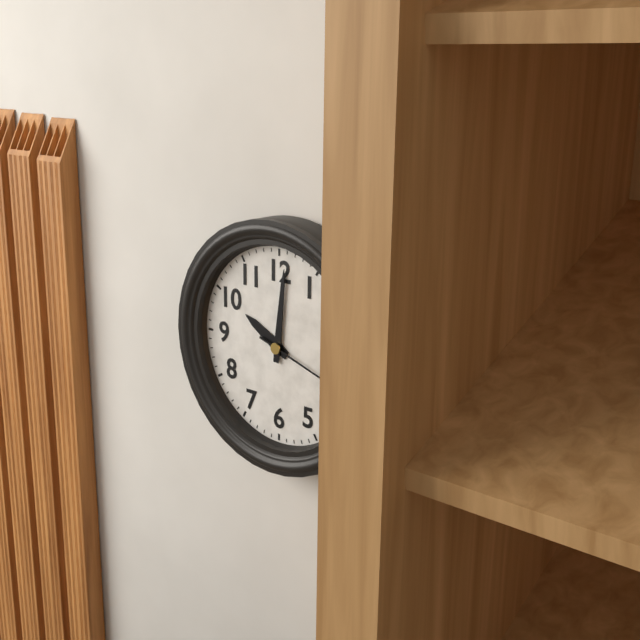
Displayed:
10:01
